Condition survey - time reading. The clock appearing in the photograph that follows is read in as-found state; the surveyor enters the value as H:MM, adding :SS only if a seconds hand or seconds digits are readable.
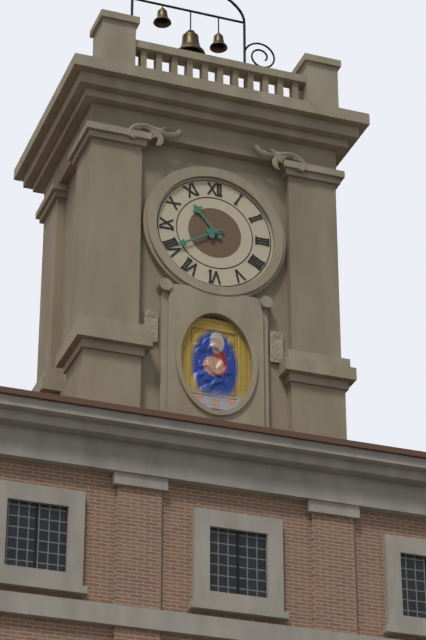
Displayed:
10:40
